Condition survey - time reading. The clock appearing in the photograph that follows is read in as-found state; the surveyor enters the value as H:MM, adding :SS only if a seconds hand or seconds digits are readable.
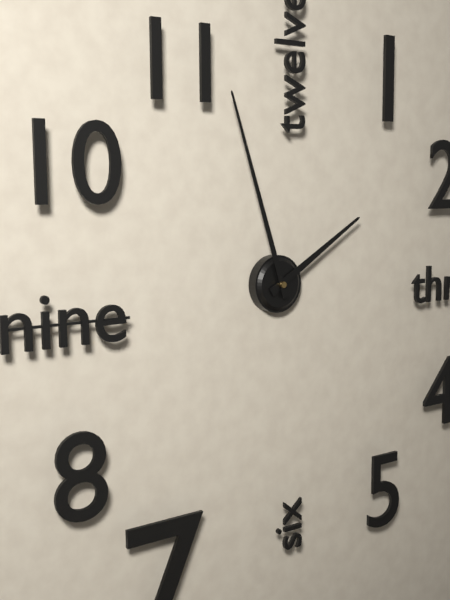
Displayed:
1:57
